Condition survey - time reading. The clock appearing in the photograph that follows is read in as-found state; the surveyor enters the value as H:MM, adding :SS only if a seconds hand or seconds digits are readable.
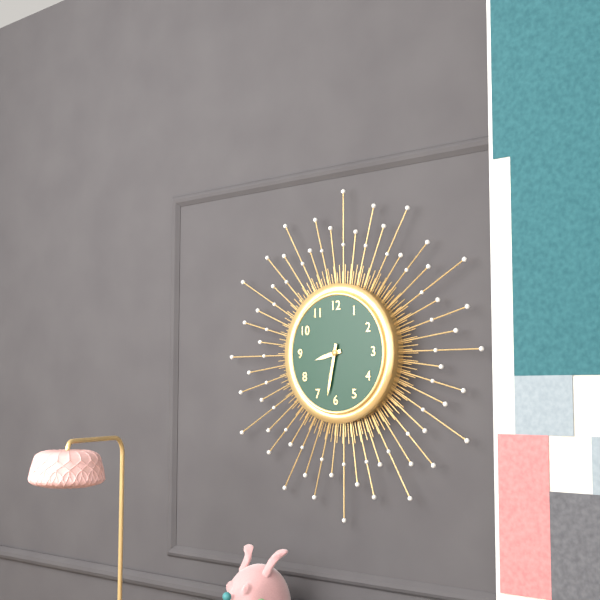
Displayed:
8:32
